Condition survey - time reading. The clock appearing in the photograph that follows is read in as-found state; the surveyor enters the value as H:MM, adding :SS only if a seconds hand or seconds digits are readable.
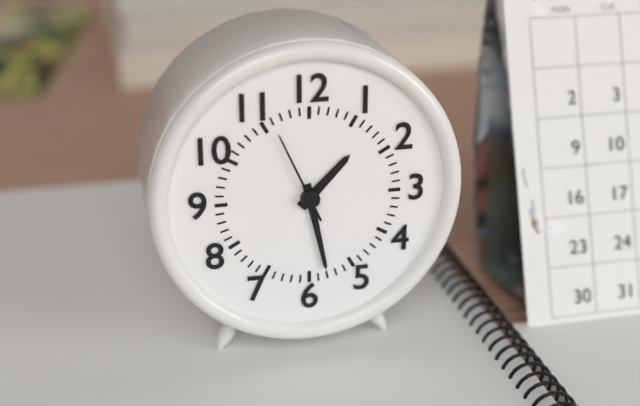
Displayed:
1:28:56
